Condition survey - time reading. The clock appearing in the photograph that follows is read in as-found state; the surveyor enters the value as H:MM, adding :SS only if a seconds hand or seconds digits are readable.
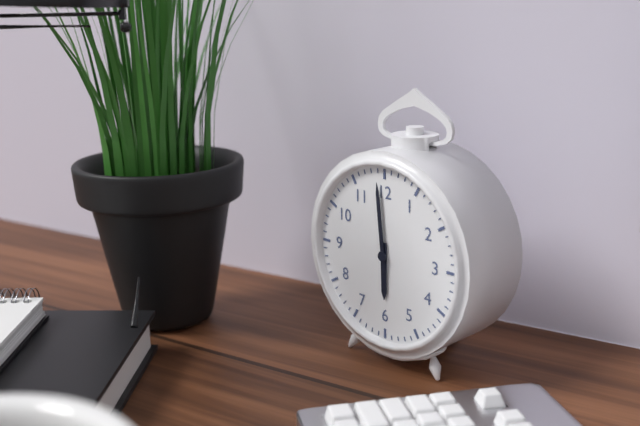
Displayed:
5:59
